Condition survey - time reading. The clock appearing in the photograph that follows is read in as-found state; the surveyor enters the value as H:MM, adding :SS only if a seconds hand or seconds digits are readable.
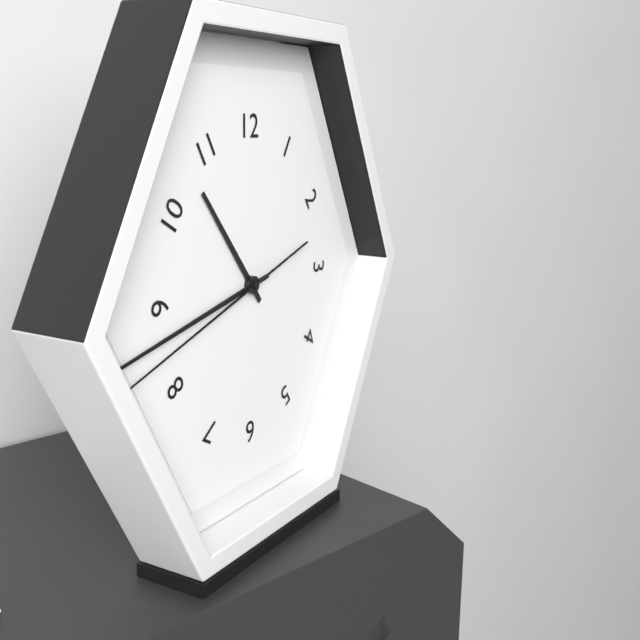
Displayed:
10:43:42
